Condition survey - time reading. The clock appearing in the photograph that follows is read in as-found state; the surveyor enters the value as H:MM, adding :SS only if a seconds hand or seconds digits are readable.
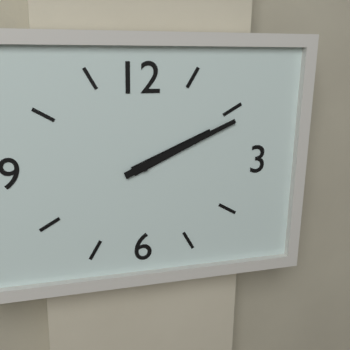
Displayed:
2:11
